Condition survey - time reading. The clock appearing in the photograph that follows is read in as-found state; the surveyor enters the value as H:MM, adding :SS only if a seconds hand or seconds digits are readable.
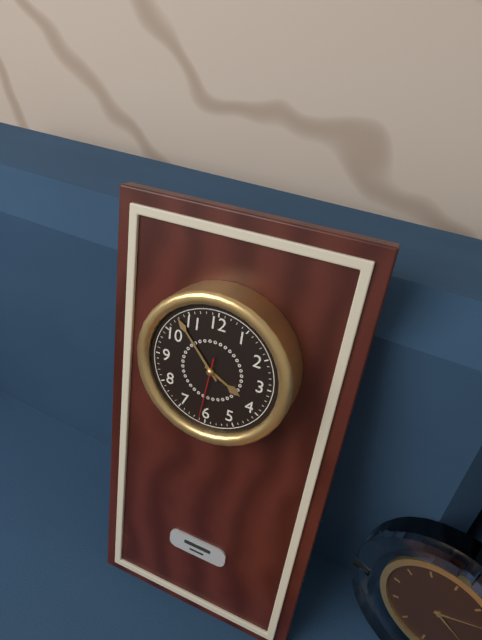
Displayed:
3:53:31
